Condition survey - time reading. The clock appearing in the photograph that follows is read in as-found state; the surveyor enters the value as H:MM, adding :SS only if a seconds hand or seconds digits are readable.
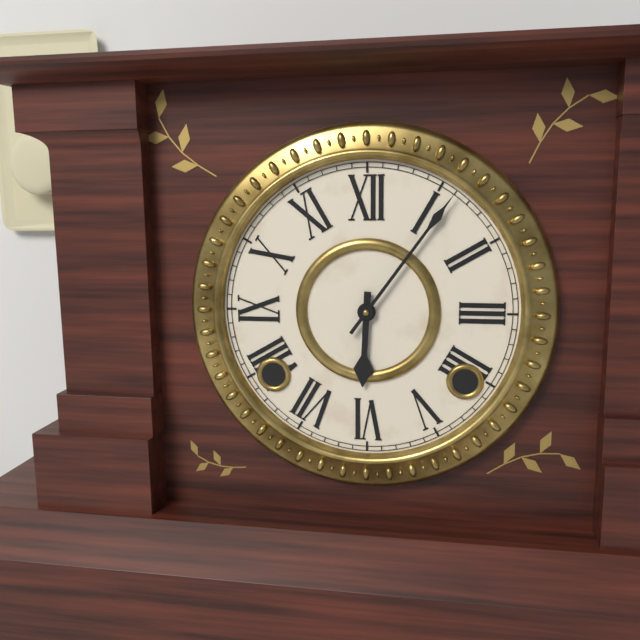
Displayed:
6:06
